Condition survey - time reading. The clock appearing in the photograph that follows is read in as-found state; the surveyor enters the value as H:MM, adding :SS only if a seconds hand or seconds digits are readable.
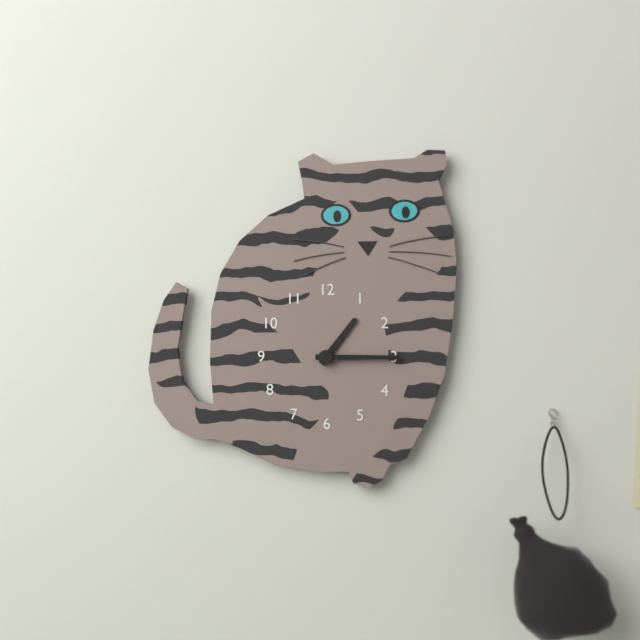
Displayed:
1:15
